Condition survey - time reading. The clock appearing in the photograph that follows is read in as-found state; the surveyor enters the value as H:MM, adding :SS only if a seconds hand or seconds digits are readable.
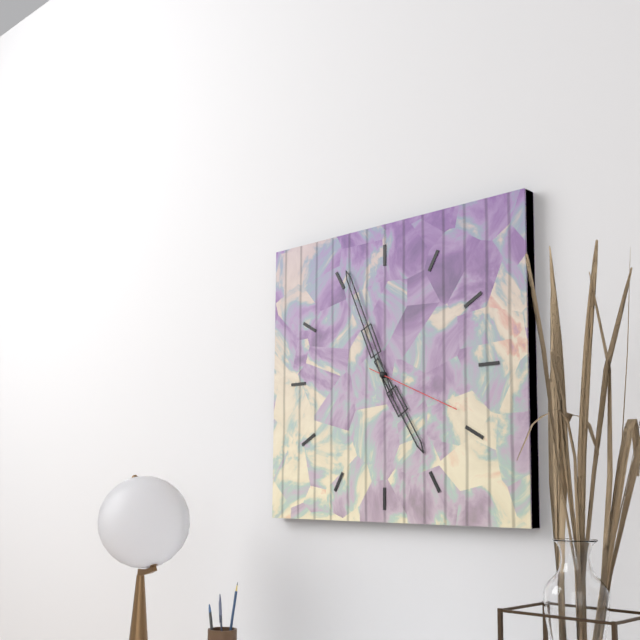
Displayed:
4:56:19
